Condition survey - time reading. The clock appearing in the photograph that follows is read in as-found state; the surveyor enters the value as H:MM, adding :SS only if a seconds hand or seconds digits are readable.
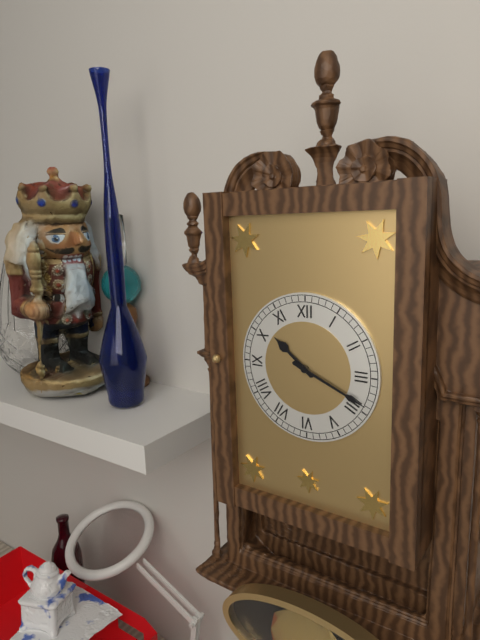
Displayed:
10:19
